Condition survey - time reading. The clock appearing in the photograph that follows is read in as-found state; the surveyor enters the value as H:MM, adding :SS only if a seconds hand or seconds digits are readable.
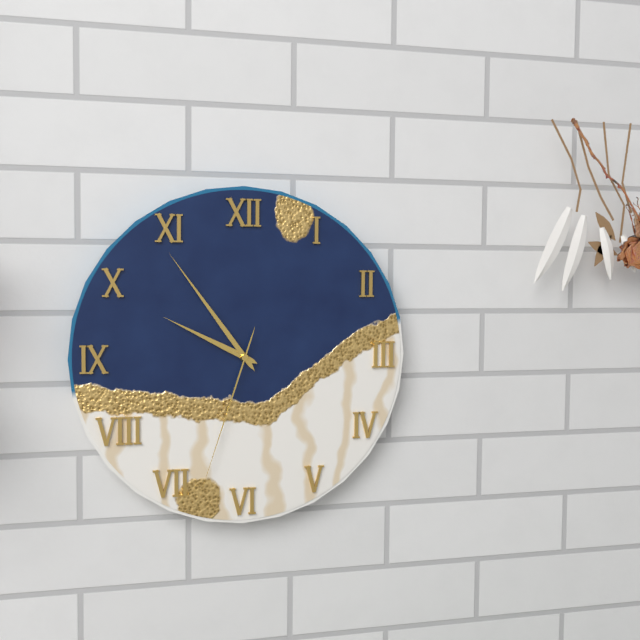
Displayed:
9:54:33
